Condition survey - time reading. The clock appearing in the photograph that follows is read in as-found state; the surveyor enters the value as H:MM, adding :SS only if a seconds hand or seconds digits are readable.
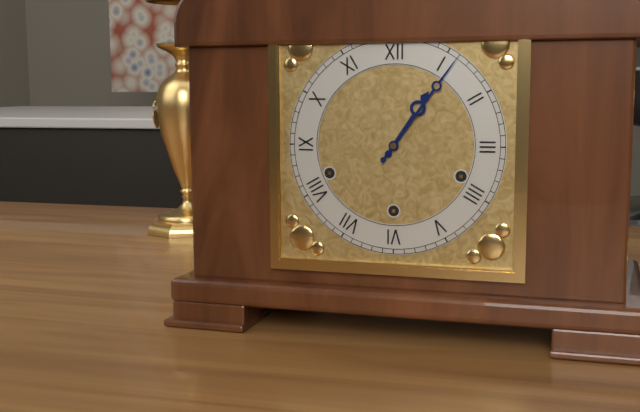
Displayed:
1:06
